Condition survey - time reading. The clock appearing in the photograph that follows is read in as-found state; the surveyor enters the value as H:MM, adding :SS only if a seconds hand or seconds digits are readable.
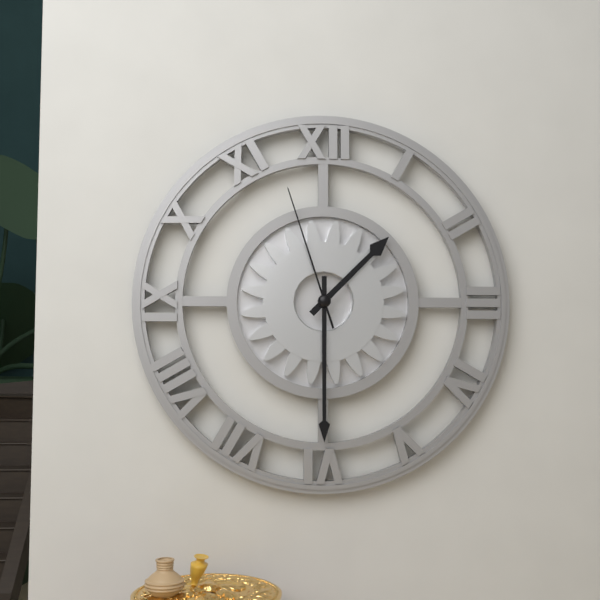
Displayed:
1:30:57
